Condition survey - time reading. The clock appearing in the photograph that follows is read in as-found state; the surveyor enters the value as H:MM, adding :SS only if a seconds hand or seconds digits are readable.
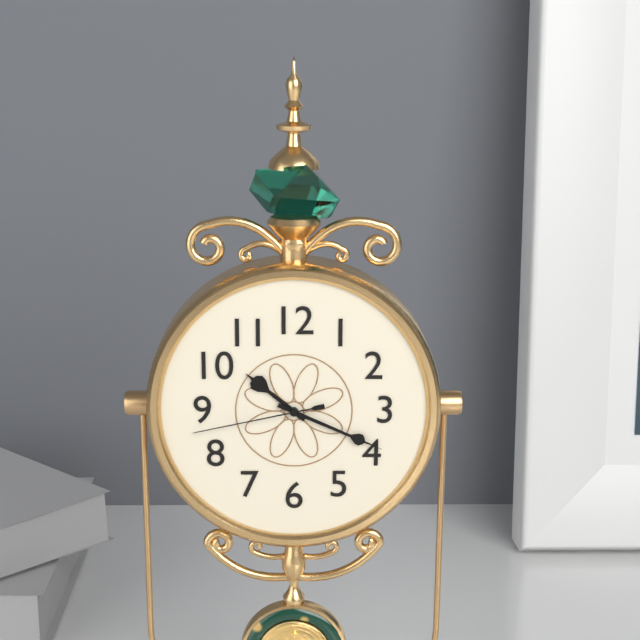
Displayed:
10:19:43
